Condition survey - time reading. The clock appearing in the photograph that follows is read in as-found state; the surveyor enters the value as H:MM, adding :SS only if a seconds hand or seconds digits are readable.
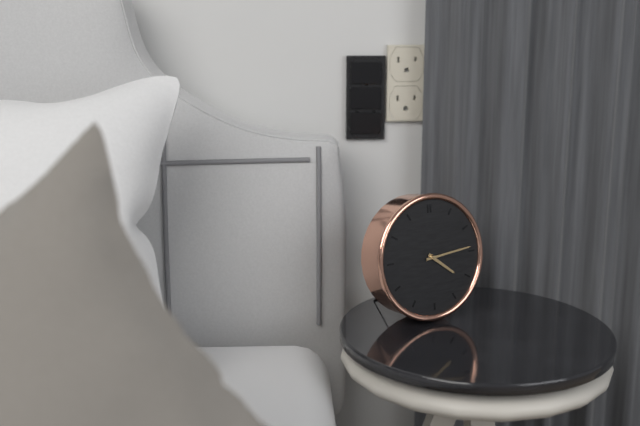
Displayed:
4:14
